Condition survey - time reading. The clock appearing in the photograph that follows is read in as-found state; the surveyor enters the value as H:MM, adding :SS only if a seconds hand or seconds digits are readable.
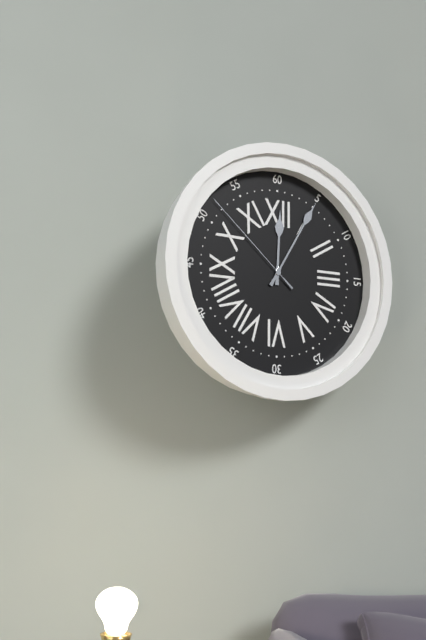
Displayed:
12:05:52
